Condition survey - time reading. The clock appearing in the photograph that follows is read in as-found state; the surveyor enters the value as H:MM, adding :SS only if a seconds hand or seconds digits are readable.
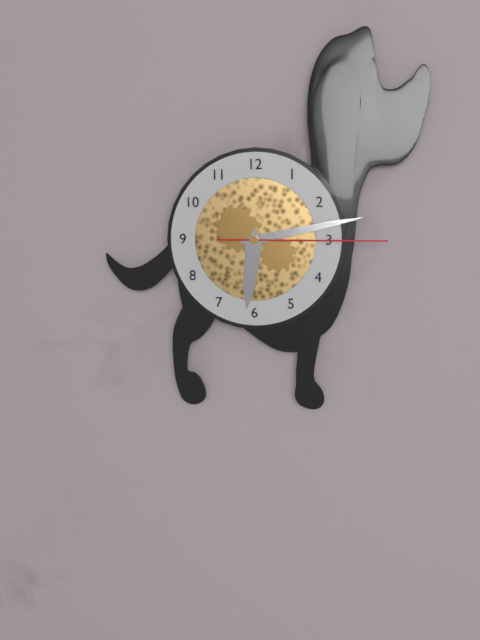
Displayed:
6:13:15
